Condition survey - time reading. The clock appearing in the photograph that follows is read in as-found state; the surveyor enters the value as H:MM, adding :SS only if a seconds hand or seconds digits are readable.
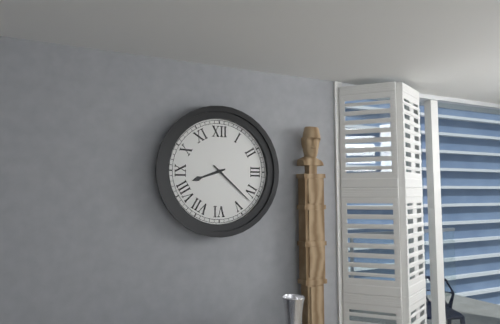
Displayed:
8:22
